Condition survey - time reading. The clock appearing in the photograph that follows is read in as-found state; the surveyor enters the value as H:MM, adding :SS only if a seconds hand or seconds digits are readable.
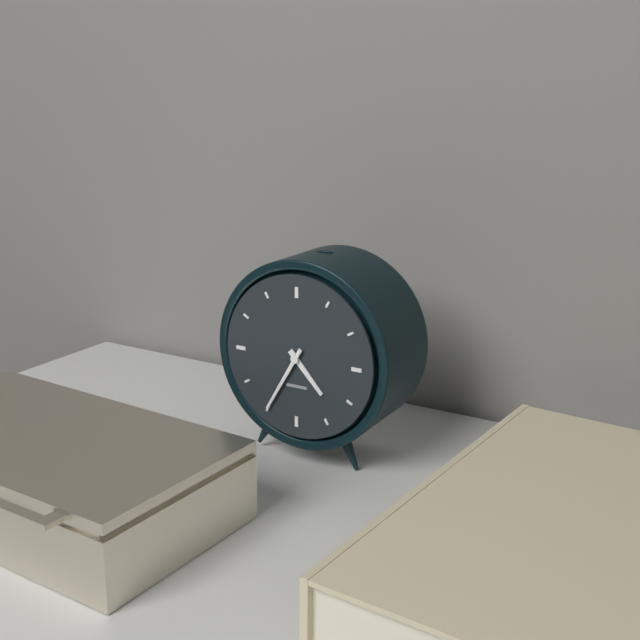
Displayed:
4:35
